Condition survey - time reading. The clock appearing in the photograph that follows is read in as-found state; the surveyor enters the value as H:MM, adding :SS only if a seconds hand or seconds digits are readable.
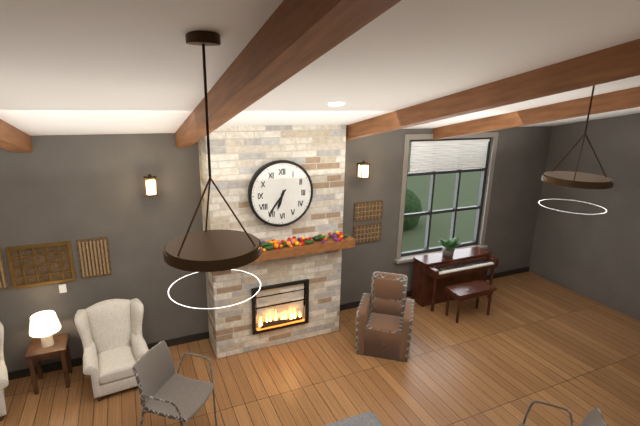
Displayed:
6:36
